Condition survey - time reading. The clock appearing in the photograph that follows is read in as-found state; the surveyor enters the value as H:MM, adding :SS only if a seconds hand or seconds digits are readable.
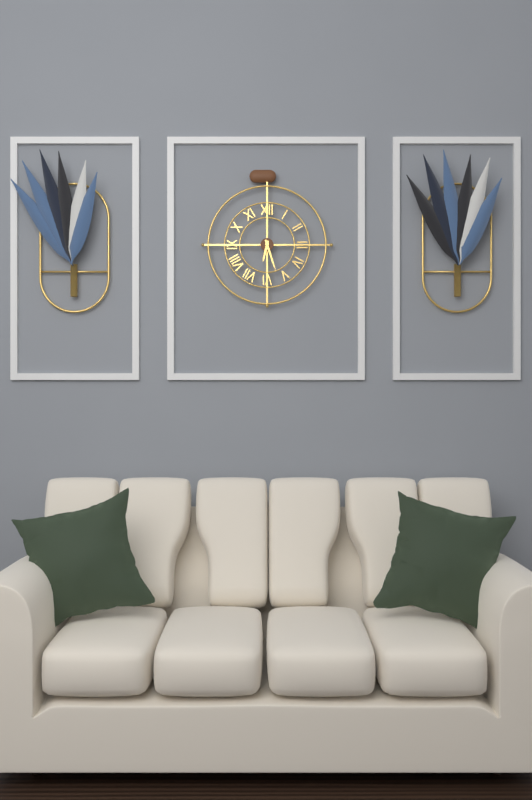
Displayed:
6:27
